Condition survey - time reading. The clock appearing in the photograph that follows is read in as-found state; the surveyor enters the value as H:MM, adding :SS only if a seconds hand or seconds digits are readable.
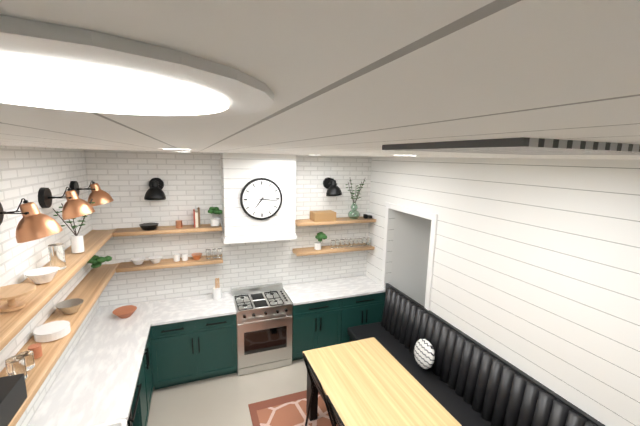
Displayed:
7:16
